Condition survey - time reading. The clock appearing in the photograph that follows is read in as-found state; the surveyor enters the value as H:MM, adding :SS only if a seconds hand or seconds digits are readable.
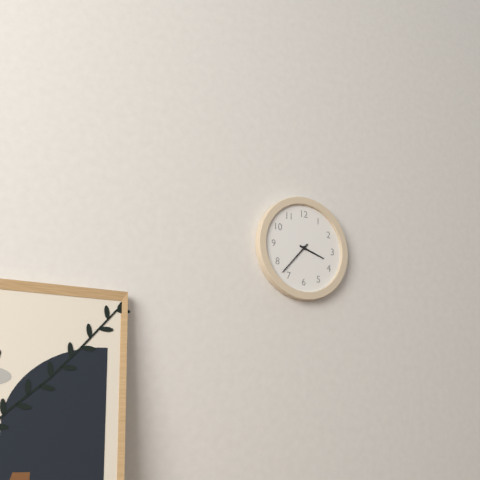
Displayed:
3:37
